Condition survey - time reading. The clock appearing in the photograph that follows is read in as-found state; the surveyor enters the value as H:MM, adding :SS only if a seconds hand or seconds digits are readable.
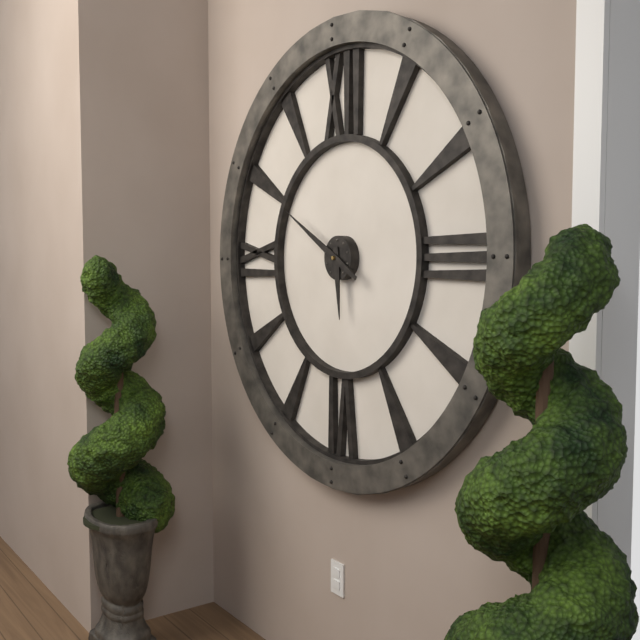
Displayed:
5:50
